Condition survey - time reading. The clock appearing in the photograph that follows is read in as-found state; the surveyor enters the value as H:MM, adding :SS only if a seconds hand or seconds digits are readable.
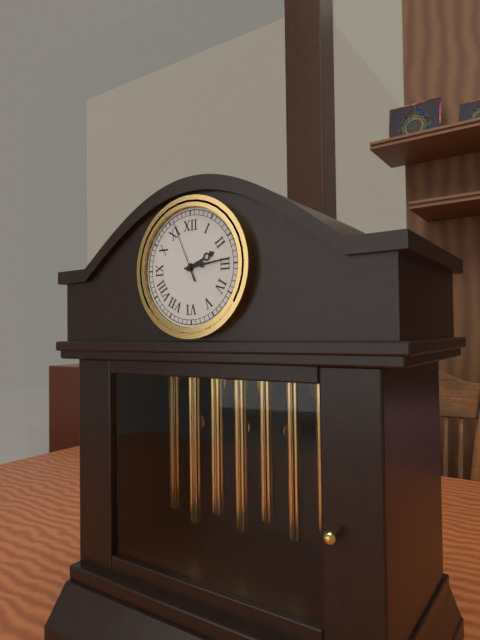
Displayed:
2:14:56
